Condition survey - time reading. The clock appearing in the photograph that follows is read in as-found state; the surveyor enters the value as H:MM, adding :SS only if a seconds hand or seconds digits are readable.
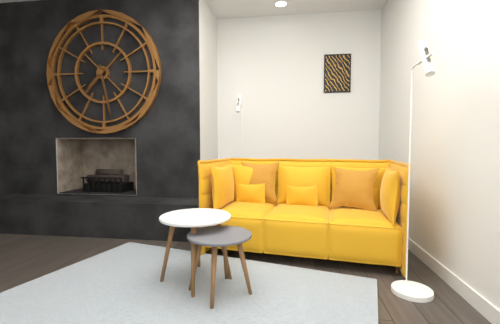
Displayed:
7:28
